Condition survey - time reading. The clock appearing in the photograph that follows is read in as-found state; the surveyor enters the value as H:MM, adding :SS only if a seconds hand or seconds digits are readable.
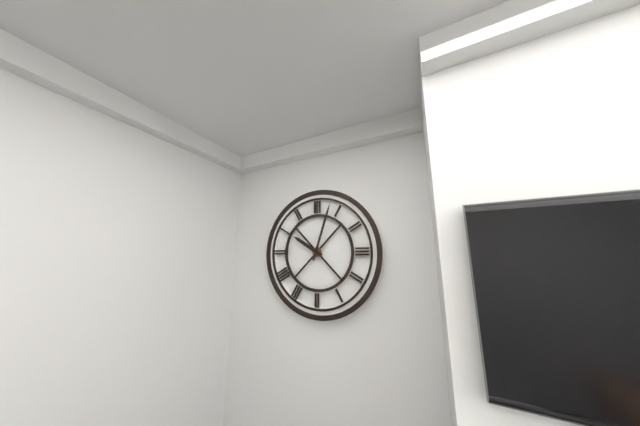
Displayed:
10:03
